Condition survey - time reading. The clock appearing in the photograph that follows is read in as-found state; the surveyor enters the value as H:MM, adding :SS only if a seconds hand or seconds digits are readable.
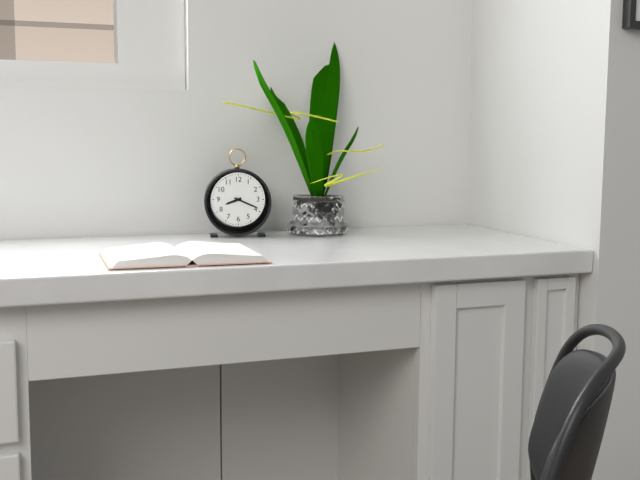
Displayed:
8:19
